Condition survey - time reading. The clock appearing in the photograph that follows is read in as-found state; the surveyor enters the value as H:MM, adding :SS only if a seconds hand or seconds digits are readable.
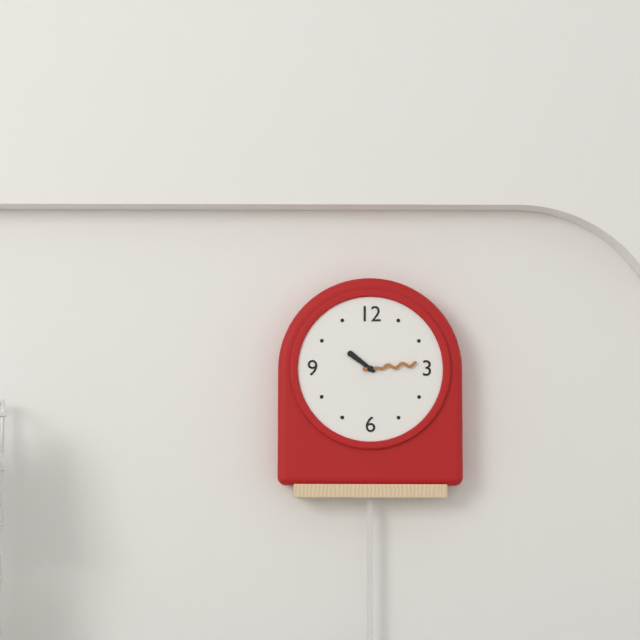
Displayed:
10:14
